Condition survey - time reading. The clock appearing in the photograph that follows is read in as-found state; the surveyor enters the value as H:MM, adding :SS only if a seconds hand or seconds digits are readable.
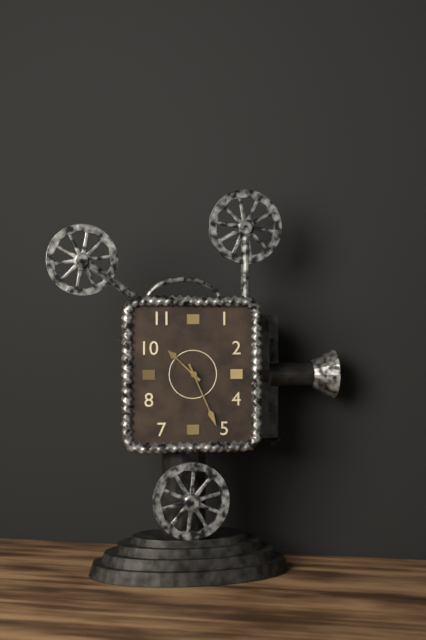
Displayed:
10:26
